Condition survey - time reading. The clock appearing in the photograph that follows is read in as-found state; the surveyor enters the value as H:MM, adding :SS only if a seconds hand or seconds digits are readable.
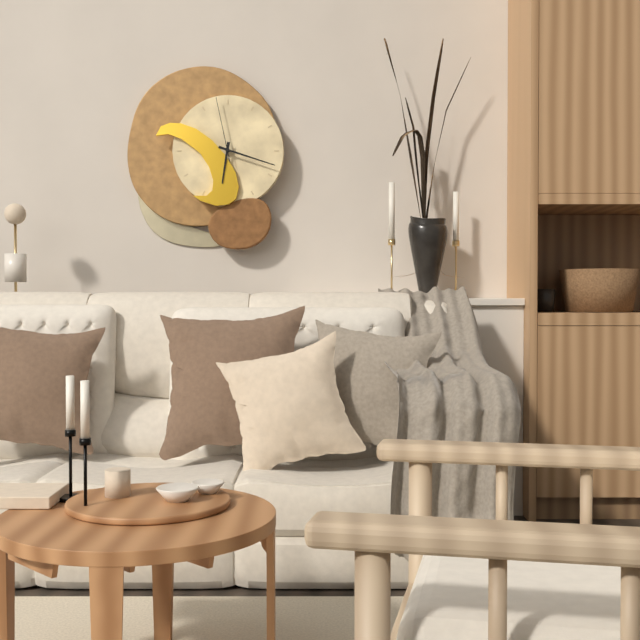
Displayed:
6:18:58
